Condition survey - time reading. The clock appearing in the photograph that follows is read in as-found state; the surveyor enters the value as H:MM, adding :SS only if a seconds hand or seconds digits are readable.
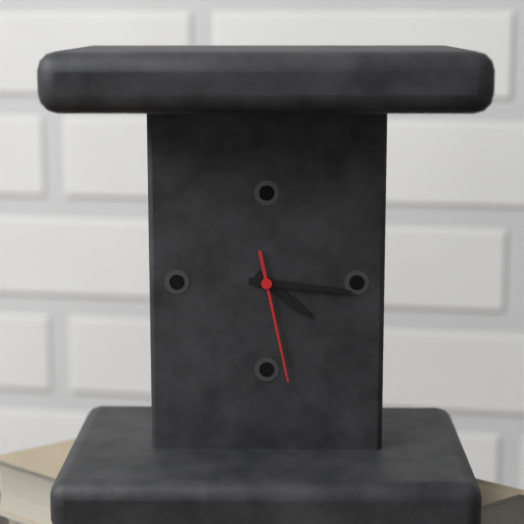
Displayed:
4:16:28
